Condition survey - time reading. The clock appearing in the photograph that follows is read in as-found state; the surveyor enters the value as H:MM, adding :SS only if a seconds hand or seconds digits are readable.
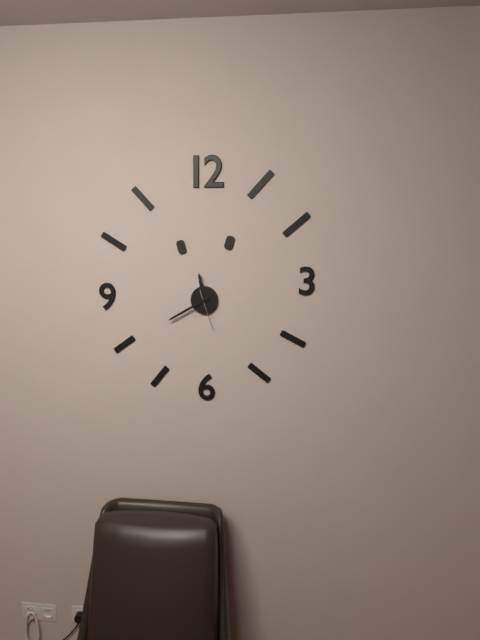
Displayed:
11:40
